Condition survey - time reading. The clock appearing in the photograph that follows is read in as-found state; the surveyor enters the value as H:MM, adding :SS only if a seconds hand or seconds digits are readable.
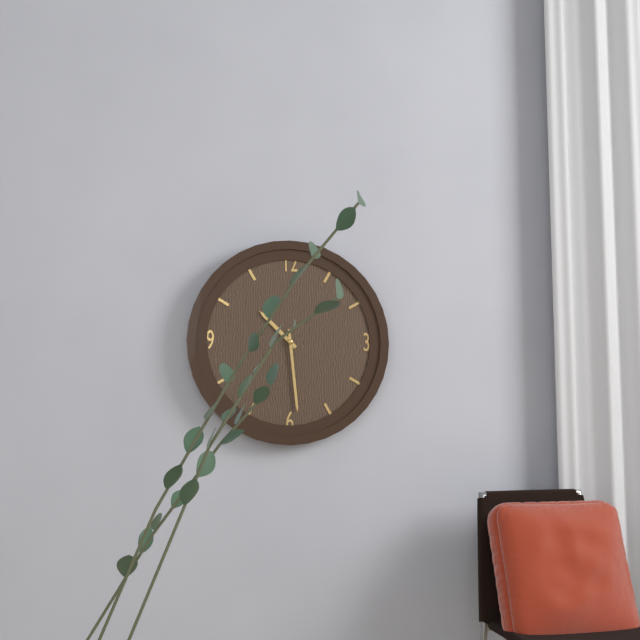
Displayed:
10:29
